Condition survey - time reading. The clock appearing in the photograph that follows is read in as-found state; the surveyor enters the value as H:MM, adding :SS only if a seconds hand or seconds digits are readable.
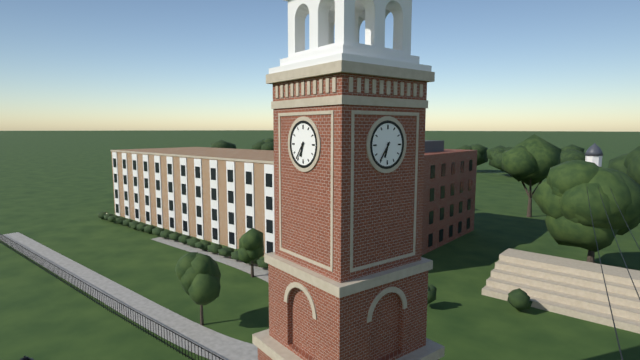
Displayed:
6:36
